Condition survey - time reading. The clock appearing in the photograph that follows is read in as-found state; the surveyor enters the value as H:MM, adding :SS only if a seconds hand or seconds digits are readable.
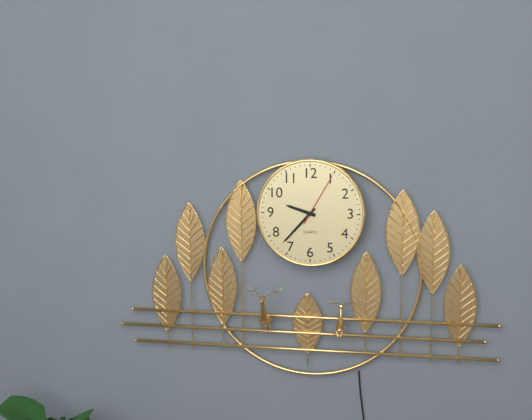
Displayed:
9:37:05
